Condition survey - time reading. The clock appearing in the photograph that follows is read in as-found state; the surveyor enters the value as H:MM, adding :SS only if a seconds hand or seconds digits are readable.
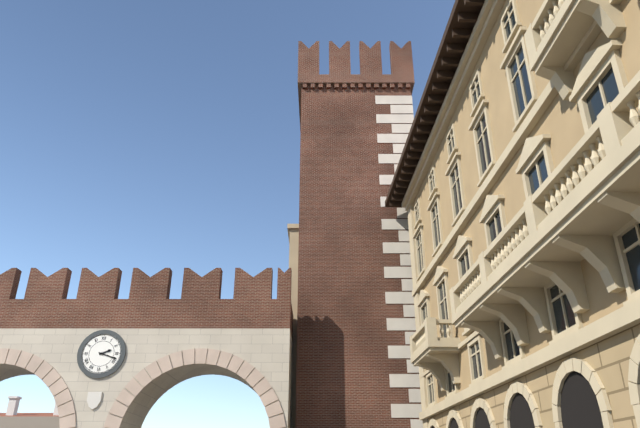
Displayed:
2:18
